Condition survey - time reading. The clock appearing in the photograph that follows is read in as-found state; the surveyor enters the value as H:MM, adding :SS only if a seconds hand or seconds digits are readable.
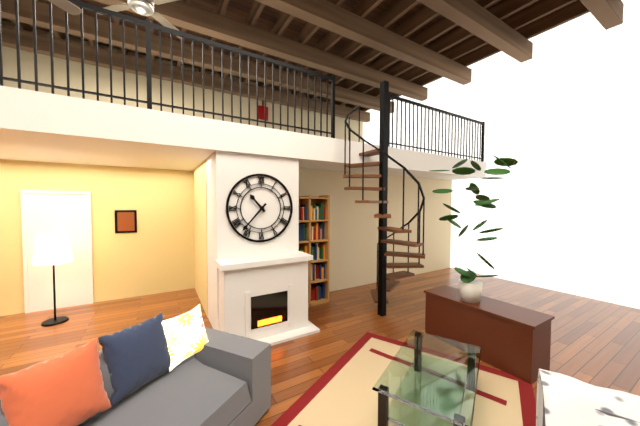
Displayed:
10:37
